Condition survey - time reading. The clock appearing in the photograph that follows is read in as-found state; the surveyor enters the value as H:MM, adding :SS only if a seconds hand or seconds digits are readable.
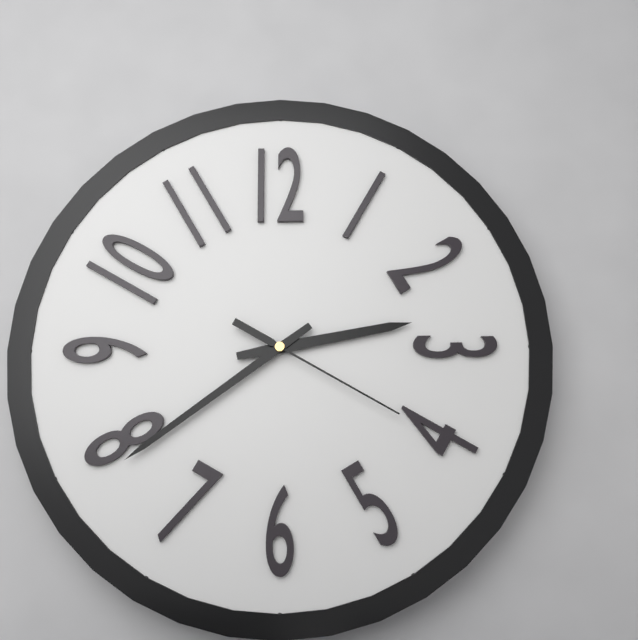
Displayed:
2:39:20
